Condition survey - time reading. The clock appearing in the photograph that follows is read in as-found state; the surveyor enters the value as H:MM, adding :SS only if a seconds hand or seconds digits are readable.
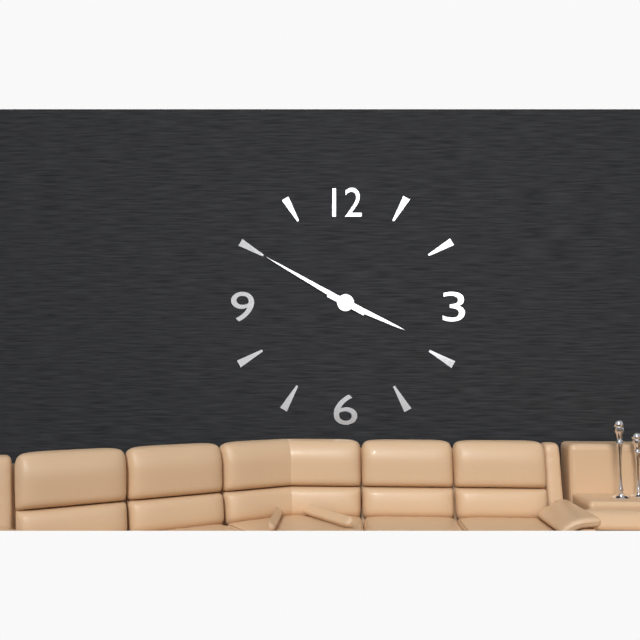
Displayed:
3:50
